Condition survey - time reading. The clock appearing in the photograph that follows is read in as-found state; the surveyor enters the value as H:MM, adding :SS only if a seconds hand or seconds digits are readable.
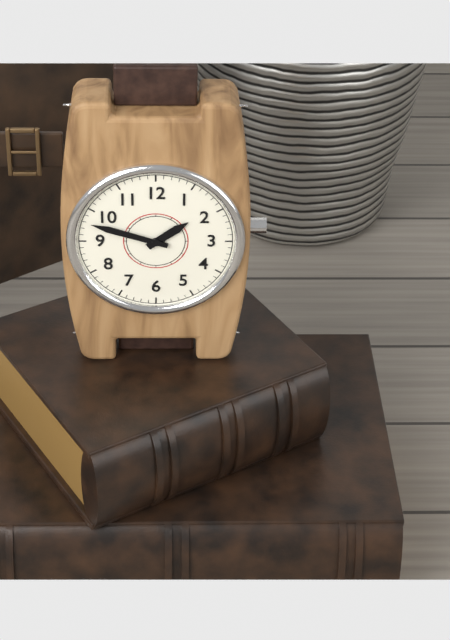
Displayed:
1:48
